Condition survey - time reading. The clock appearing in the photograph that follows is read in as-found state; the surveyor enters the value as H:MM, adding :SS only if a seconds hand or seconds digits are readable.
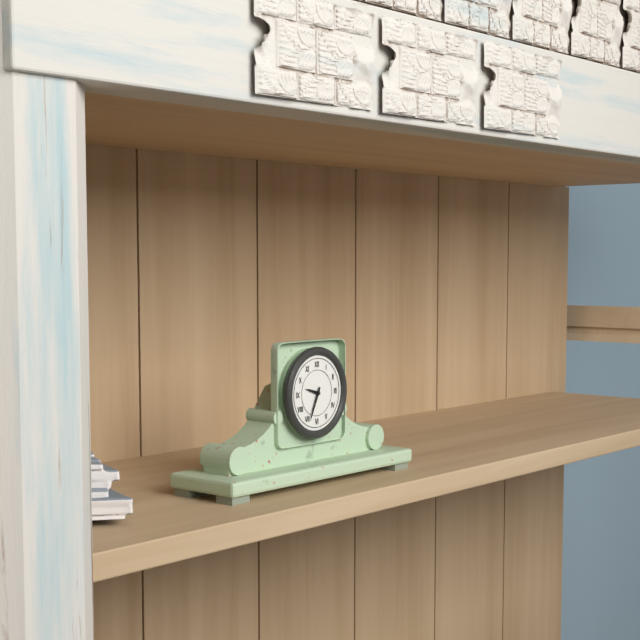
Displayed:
9:34
